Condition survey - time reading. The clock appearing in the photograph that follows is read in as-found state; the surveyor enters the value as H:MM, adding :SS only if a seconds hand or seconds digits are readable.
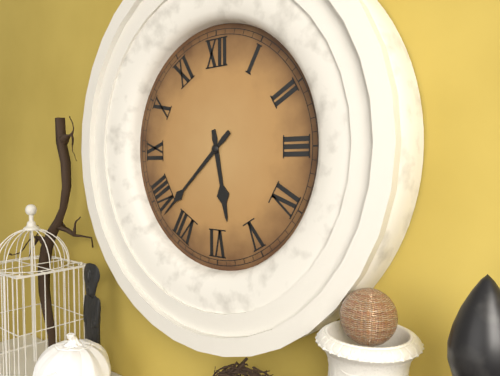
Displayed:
5:38
